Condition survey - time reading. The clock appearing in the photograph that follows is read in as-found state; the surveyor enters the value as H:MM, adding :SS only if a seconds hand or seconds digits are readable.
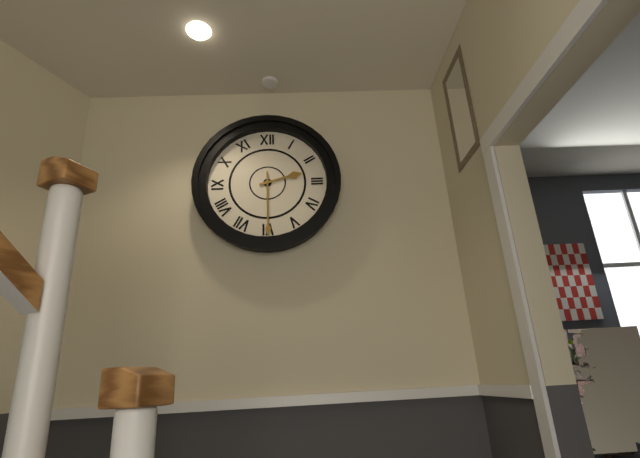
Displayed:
2:30
